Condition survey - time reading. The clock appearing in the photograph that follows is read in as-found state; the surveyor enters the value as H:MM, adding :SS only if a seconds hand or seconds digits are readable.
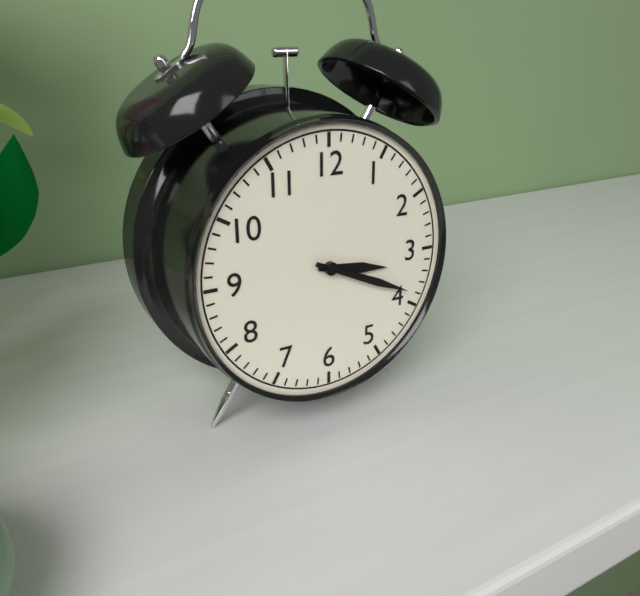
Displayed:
3:19
